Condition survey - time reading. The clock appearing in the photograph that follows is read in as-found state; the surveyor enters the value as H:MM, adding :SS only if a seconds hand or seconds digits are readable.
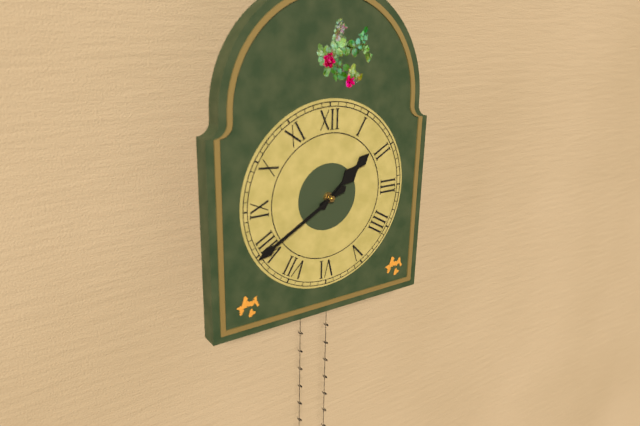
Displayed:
1:40
